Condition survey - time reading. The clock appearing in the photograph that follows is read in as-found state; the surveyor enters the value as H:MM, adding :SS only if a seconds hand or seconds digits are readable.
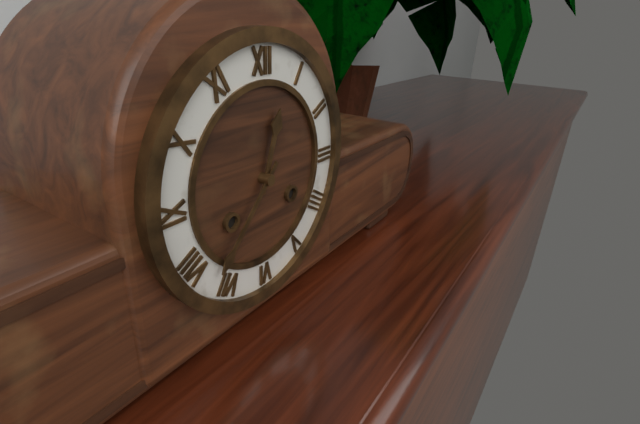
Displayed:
12:37
